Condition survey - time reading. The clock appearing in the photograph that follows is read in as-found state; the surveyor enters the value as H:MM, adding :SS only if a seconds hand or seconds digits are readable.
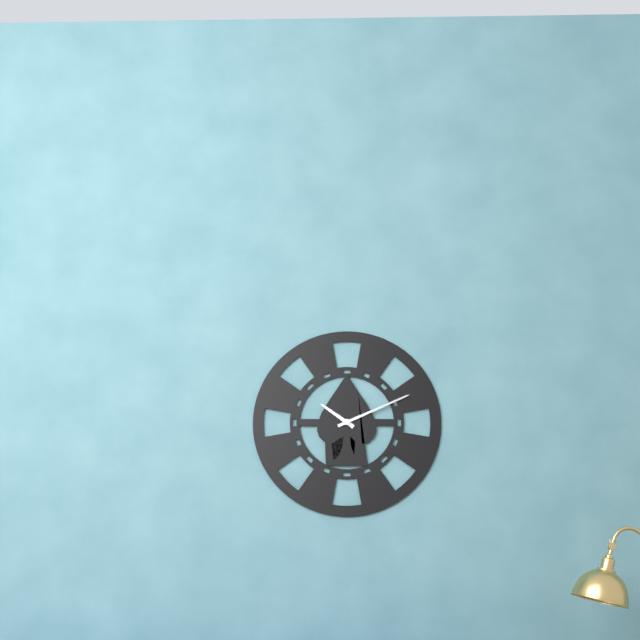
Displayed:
10:11
